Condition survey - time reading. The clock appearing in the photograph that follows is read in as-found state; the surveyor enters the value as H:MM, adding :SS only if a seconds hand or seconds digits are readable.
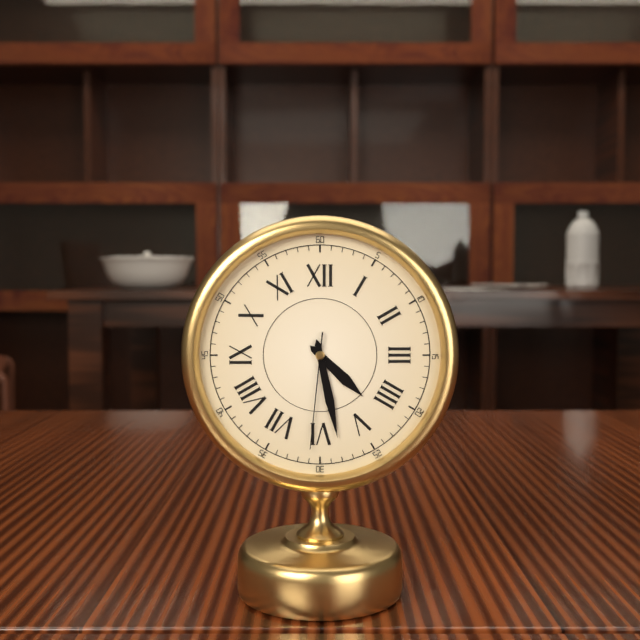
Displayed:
4:28:31
